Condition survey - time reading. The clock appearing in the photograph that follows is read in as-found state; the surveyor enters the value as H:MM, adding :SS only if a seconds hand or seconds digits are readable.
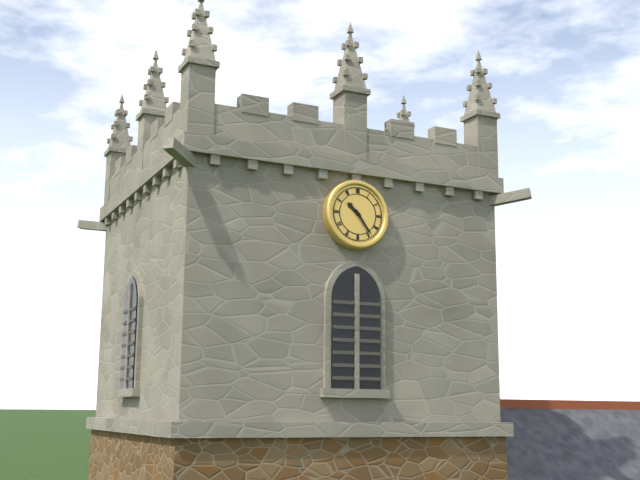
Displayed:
10:24
